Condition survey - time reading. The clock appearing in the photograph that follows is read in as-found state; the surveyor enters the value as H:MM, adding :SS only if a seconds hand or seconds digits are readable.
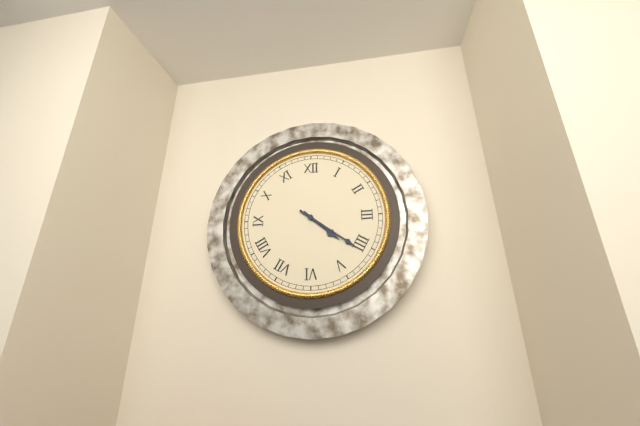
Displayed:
4:21
